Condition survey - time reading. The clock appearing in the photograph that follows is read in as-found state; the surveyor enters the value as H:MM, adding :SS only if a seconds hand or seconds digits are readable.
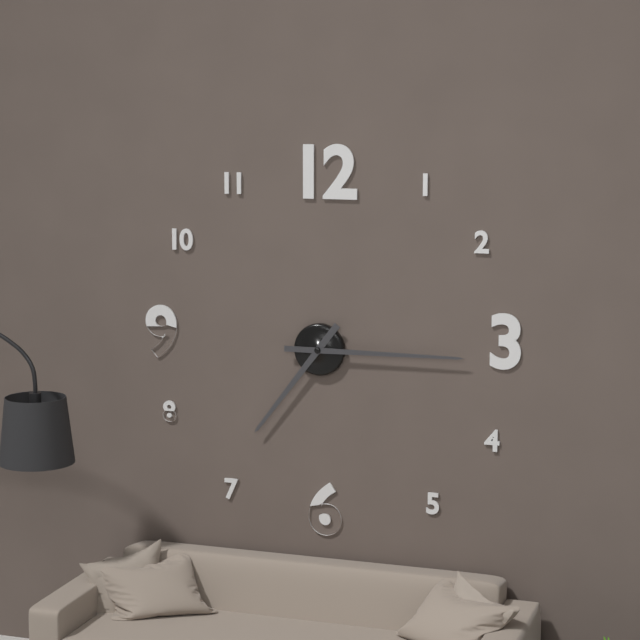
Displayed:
7:15
